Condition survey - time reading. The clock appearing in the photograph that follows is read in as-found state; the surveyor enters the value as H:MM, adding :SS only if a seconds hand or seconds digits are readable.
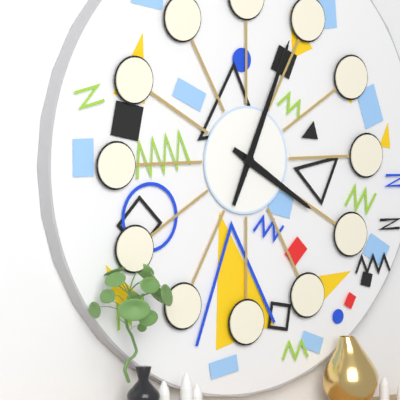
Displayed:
4:04
